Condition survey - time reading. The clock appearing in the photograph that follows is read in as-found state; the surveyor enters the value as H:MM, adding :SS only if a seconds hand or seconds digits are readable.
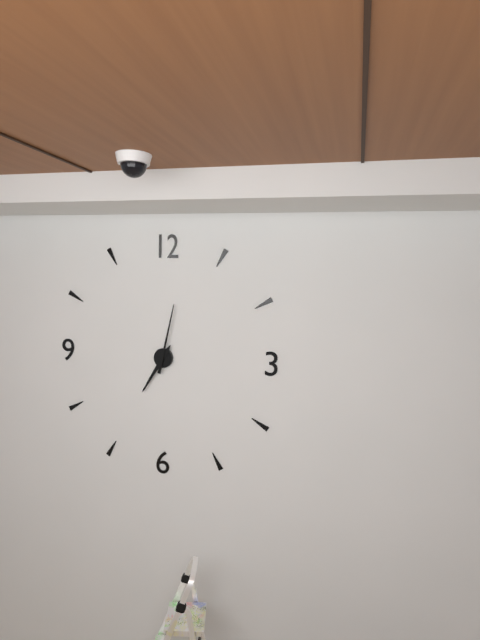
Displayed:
7:02
